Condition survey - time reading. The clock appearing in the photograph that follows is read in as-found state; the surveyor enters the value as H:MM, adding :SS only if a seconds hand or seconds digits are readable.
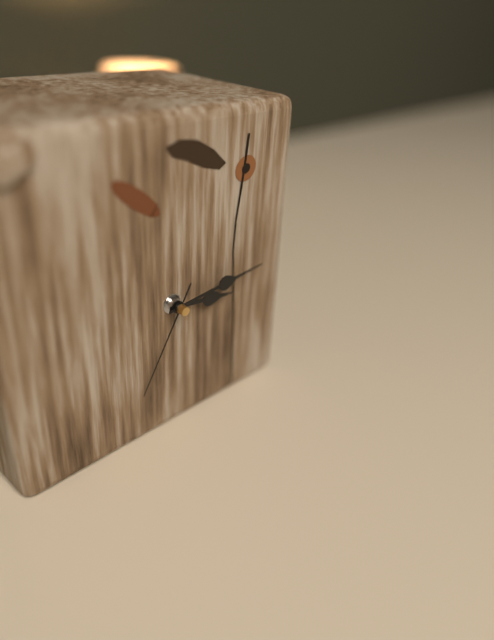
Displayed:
3:14:35
